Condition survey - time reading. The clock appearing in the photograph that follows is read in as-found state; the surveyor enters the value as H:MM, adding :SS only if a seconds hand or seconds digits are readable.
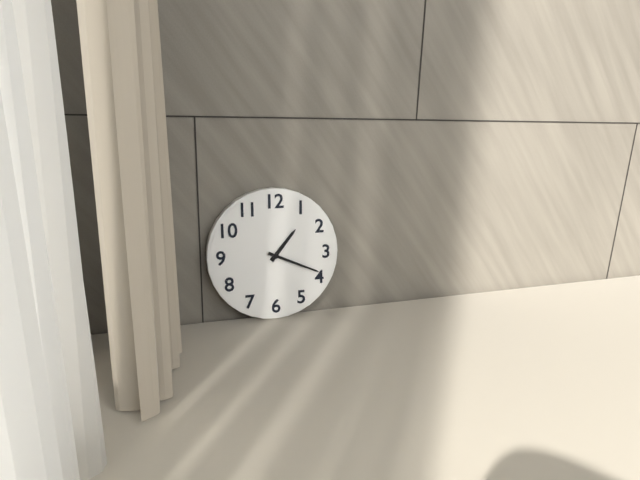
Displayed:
1:19
